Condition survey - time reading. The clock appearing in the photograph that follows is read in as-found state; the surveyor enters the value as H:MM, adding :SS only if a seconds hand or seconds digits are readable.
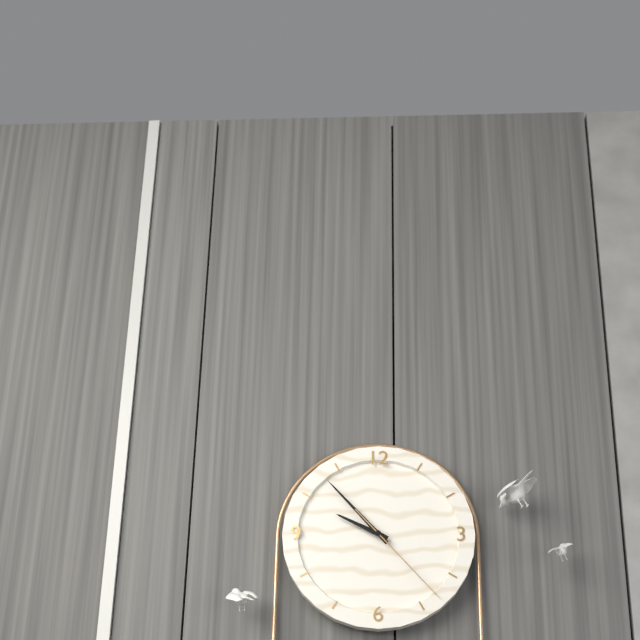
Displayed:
9:53:23
